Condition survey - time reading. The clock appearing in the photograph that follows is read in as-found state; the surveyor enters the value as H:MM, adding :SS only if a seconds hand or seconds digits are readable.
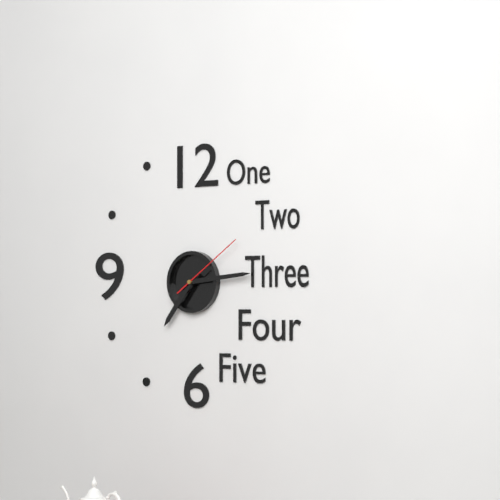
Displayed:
7:14:09
